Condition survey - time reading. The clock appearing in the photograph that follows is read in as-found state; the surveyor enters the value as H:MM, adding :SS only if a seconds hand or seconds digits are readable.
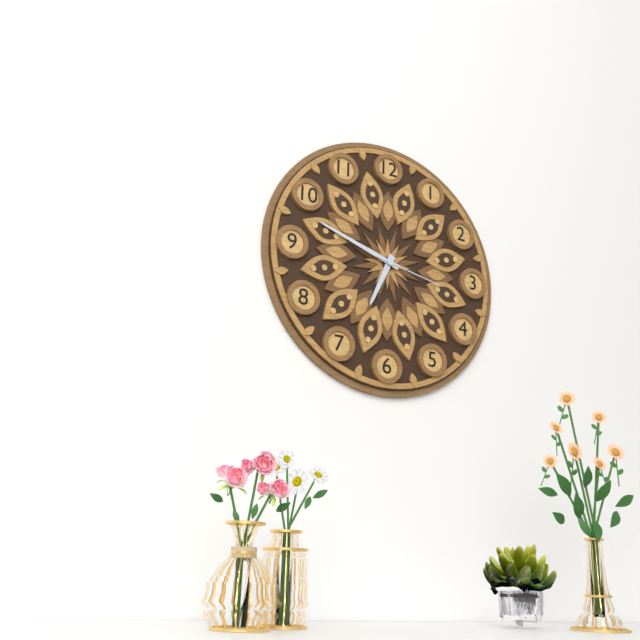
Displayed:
6:48:17
